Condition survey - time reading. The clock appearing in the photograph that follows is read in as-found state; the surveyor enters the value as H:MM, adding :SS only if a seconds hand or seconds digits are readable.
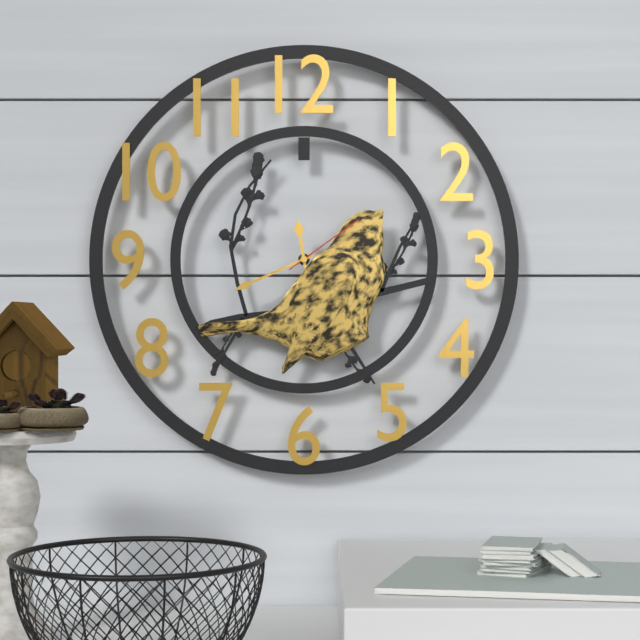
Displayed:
11:41:09
